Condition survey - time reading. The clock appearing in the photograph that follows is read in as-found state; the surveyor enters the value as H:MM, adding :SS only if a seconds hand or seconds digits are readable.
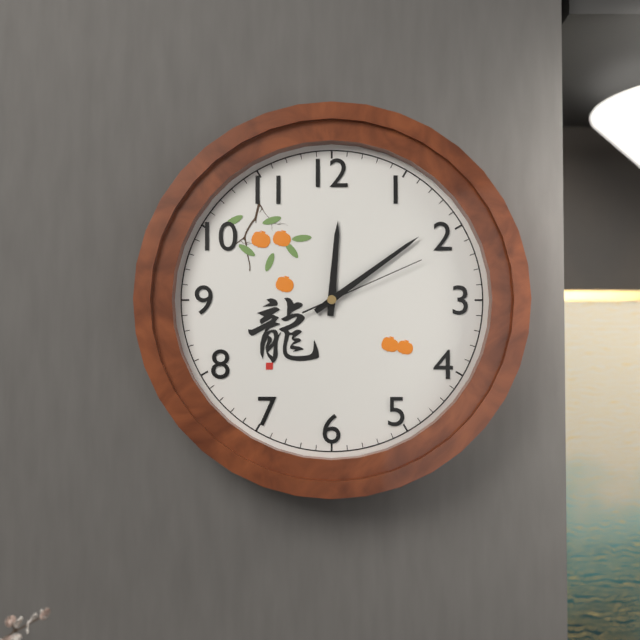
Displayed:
12:09:11
